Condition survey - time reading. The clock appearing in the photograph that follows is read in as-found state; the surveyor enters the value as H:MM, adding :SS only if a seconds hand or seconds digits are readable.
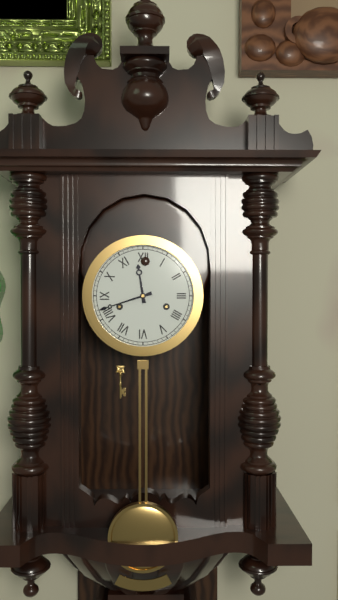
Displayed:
11:42
